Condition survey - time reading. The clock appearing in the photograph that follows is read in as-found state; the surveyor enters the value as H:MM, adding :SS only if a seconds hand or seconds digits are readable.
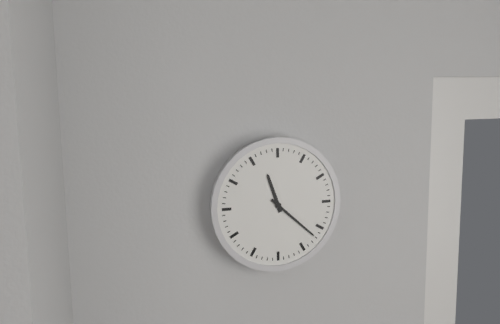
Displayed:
11:22
